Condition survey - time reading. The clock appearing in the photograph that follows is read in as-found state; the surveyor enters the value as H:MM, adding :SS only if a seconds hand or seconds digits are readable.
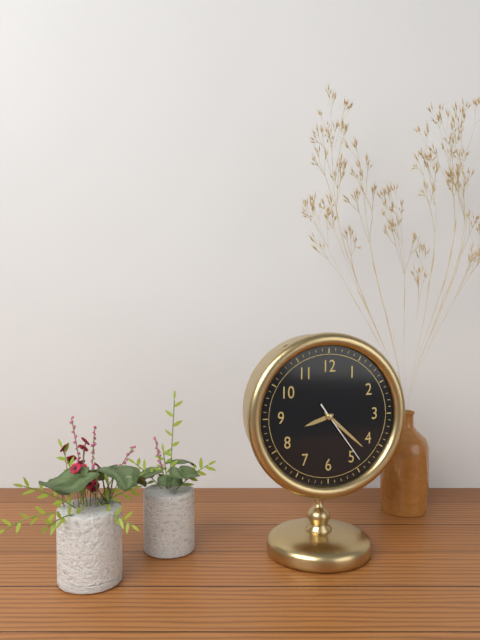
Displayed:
8:22:24
